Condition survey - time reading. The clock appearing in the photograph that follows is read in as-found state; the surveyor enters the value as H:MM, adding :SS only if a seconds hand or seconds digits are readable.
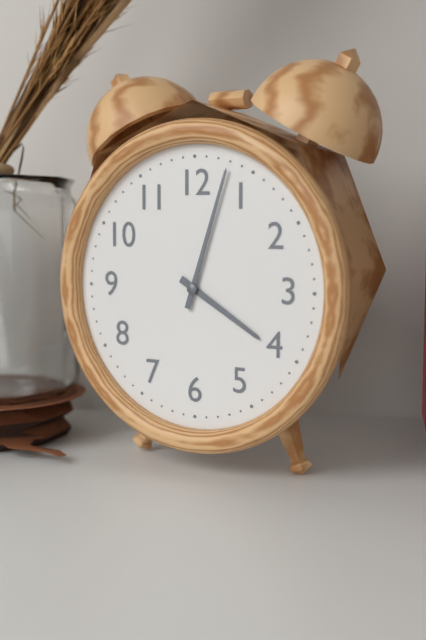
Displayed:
4:03
